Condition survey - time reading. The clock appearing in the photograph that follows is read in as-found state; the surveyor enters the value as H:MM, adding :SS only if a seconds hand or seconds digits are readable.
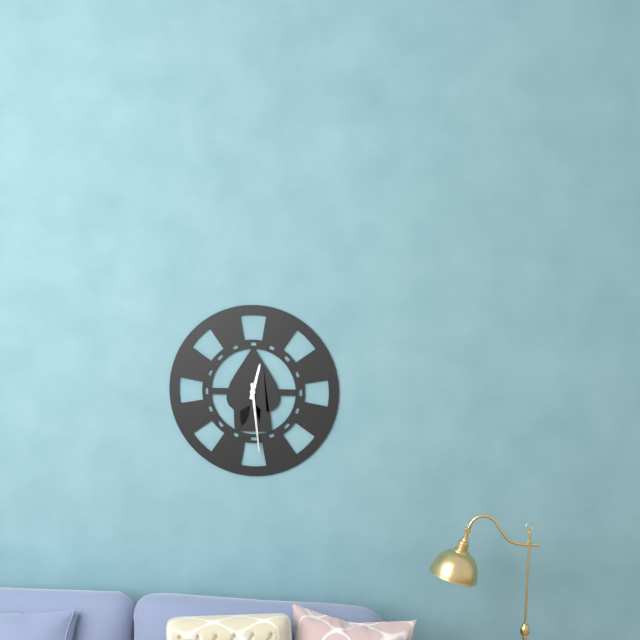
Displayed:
12:29
